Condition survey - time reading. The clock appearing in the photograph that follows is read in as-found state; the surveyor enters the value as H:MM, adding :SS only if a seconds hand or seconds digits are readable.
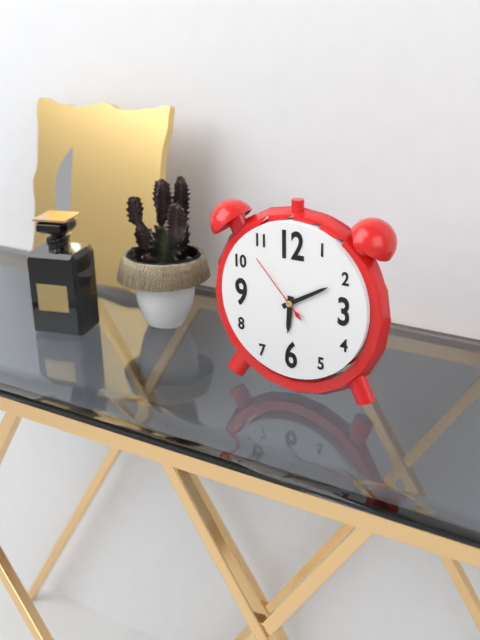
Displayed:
6:10:53
